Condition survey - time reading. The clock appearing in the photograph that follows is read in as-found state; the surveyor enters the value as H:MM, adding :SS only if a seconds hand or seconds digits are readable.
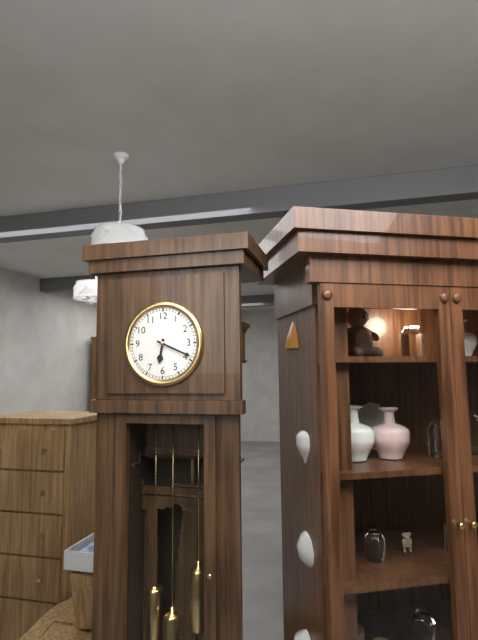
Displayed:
6:19
